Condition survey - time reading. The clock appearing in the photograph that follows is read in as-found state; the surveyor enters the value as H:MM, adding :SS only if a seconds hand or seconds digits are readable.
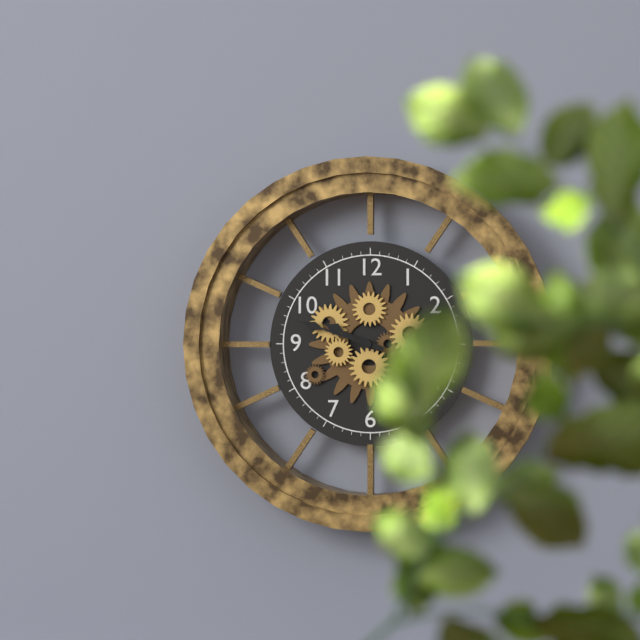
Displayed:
9:48
